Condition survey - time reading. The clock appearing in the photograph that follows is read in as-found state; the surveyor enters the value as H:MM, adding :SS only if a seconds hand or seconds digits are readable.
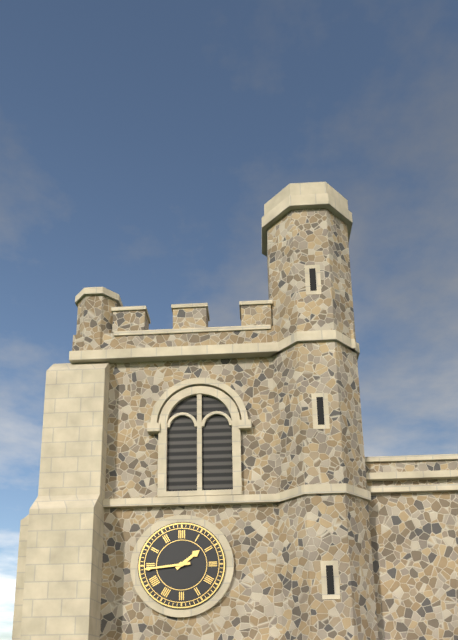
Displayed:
1:44
